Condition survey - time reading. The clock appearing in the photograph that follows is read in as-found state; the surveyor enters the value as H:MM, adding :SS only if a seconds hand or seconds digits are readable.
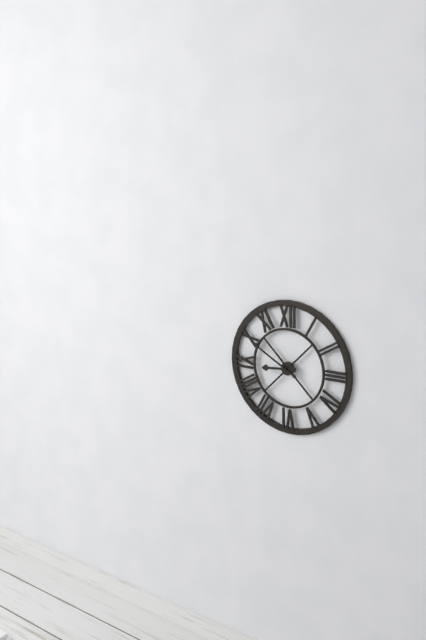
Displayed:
8:50
